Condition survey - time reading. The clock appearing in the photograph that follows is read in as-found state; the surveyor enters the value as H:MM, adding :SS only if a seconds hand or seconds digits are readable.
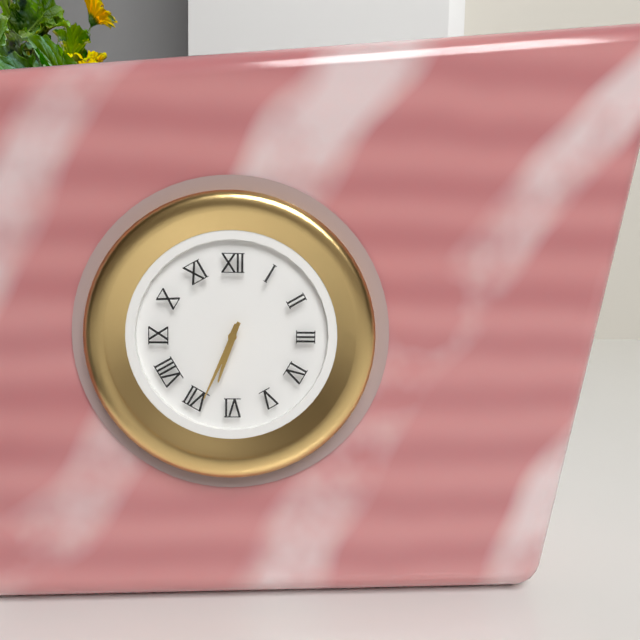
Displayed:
6:34
